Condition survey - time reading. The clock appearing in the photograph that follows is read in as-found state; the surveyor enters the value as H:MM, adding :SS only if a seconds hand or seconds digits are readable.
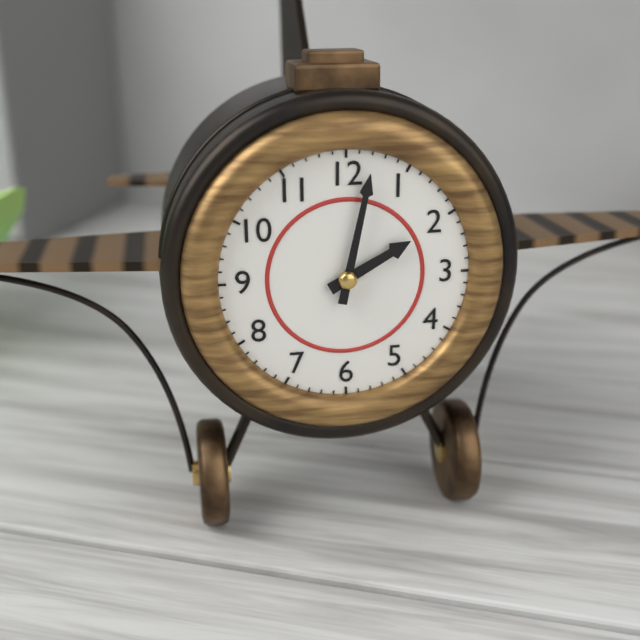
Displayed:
2:02
